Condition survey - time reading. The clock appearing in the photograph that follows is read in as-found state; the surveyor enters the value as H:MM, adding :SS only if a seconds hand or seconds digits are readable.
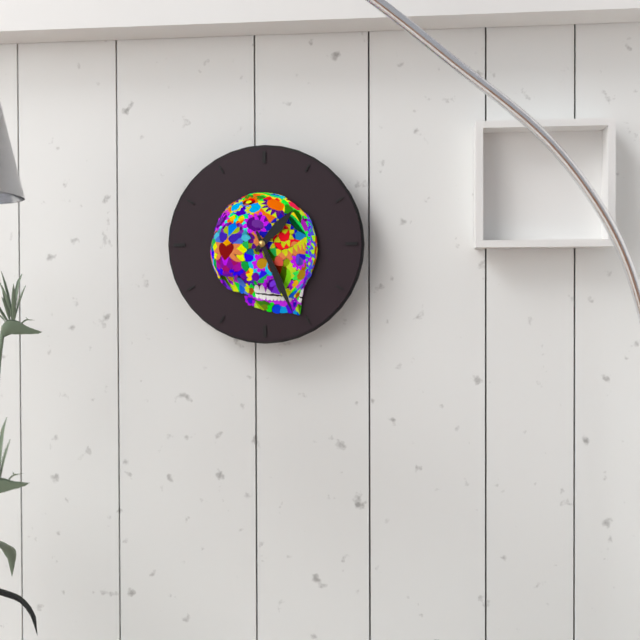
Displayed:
1:26
